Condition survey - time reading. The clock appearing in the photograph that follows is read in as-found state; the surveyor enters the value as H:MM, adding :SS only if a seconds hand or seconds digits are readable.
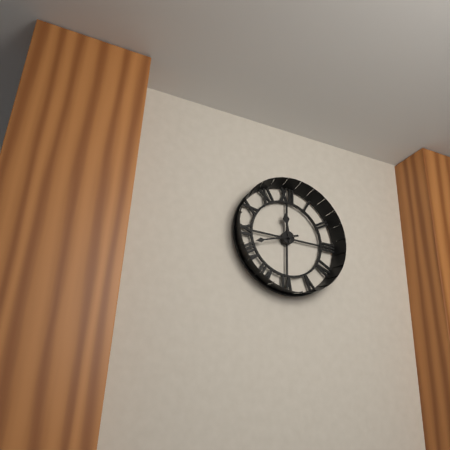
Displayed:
11:42
